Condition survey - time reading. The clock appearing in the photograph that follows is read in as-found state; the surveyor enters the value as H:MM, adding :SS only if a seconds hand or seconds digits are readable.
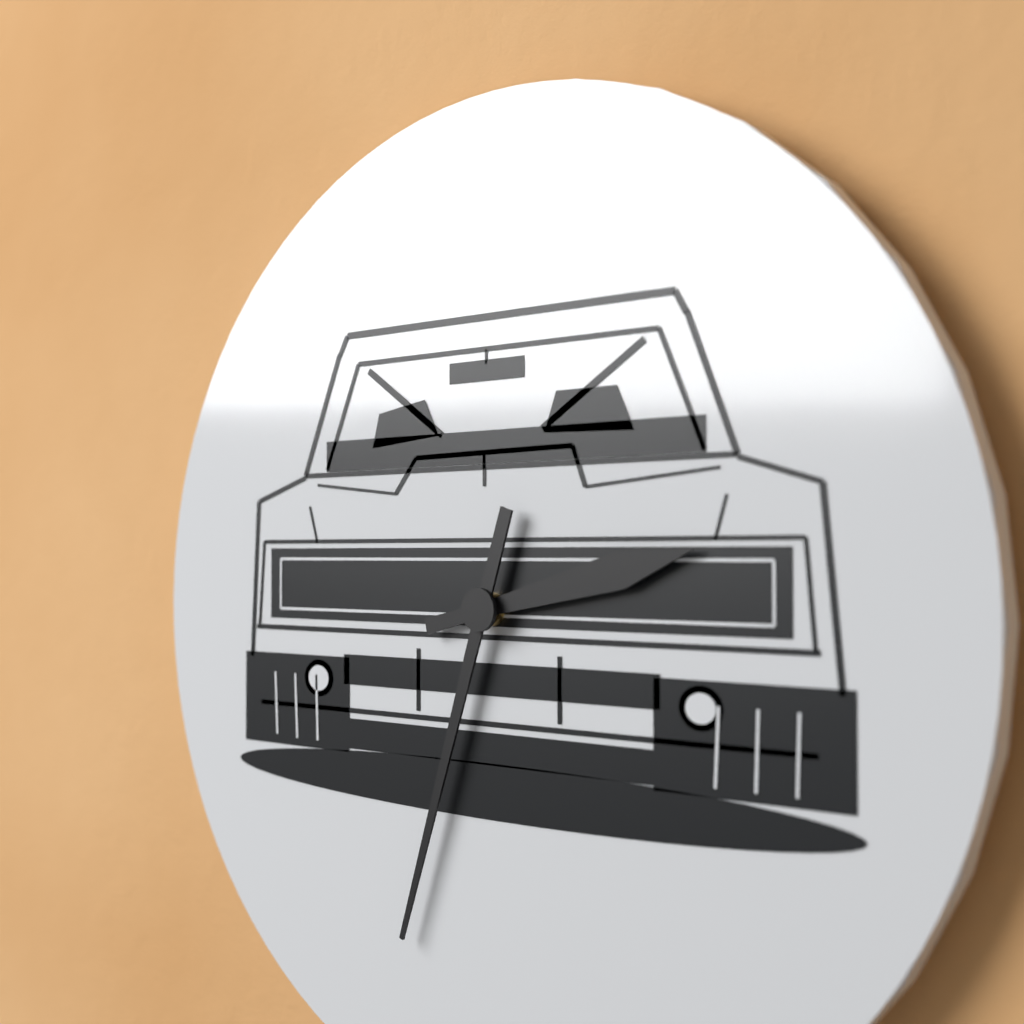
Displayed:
2:33
